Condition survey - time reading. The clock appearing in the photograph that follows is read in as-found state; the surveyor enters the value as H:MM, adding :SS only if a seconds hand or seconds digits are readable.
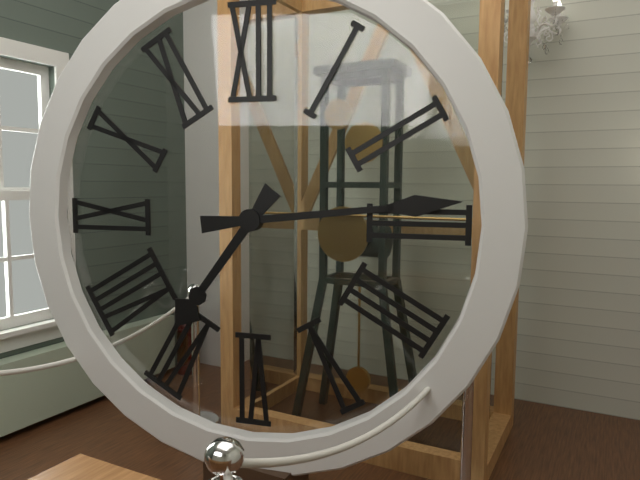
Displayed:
7:14
